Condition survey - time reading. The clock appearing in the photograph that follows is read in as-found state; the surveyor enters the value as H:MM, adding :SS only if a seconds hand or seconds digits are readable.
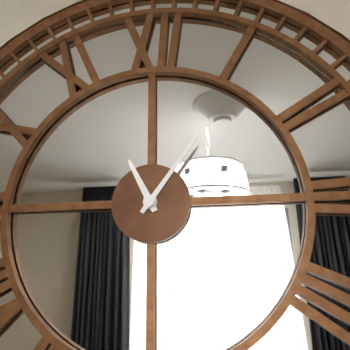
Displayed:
11:06
